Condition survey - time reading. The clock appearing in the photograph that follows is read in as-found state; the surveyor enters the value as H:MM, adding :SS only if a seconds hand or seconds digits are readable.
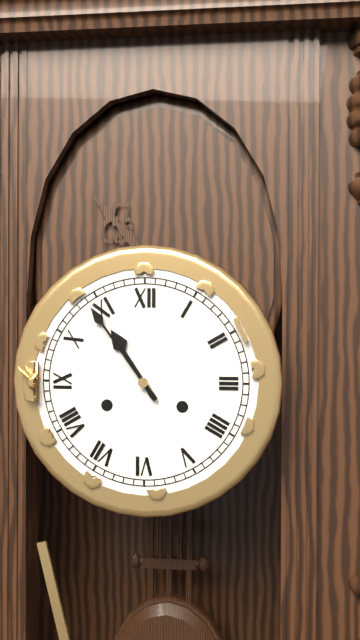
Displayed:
10:54
